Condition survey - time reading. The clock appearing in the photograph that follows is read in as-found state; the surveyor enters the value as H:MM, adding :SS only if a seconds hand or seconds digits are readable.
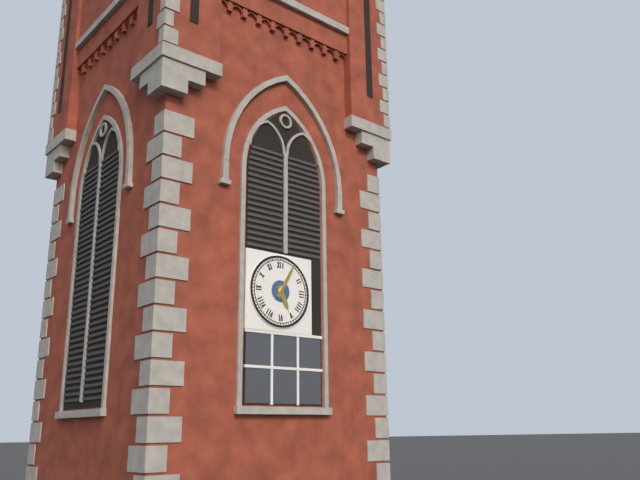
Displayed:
5:05
